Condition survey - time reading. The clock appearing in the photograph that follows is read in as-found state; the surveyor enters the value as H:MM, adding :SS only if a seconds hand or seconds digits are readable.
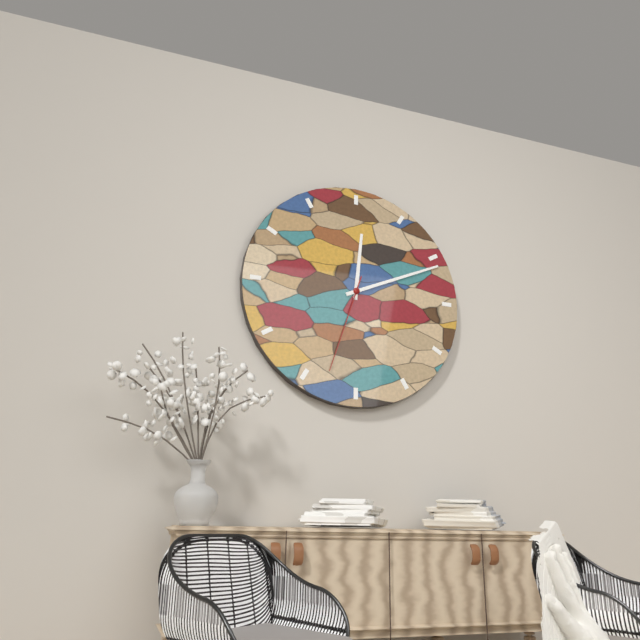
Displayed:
12:11:33
